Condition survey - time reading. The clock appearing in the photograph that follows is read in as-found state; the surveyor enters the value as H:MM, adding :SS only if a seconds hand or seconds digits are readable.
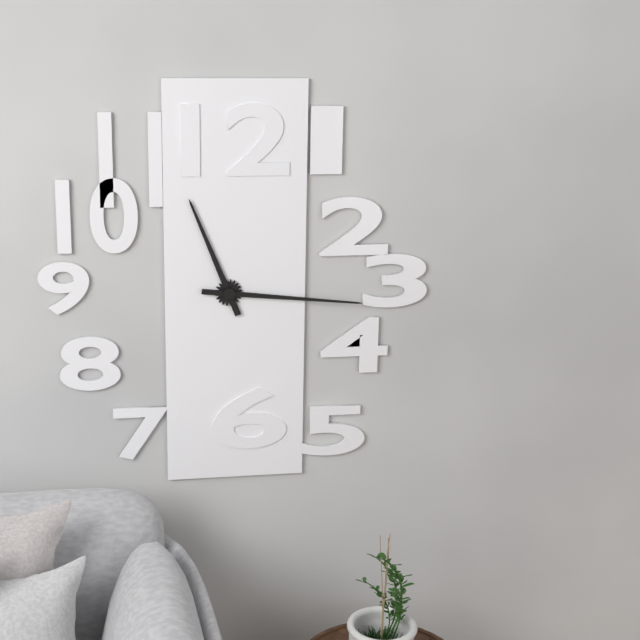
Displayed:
11:16
